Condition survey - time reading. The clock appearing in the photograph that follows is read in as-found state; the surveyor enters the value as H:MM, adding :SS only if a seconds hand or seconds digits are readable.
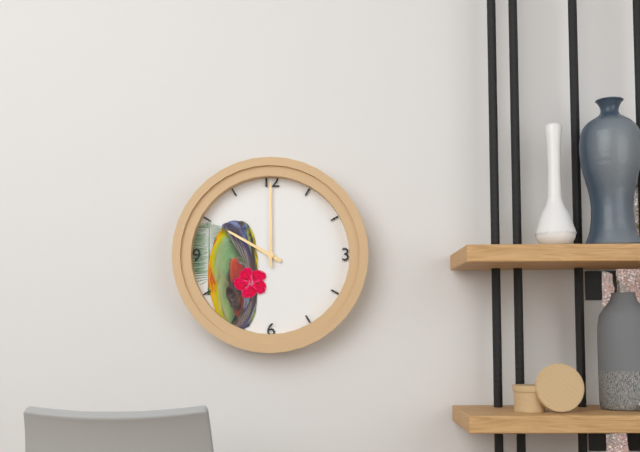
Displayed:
10:00
